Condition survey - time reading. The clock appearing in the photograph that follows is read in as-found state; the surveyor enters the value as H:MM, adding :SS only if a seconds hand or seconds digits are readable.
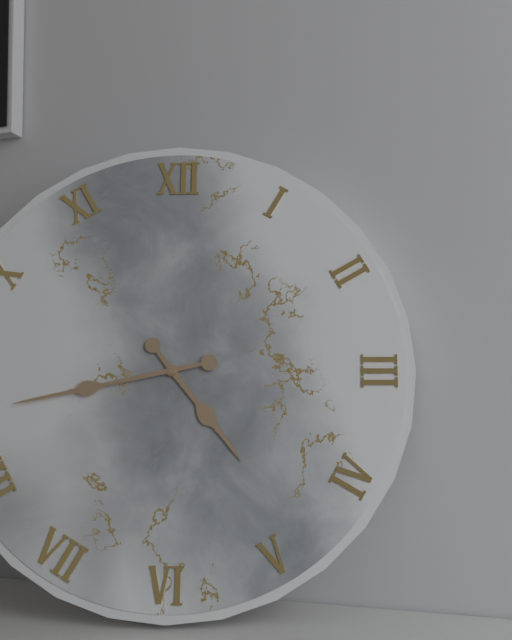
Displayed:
4:43
